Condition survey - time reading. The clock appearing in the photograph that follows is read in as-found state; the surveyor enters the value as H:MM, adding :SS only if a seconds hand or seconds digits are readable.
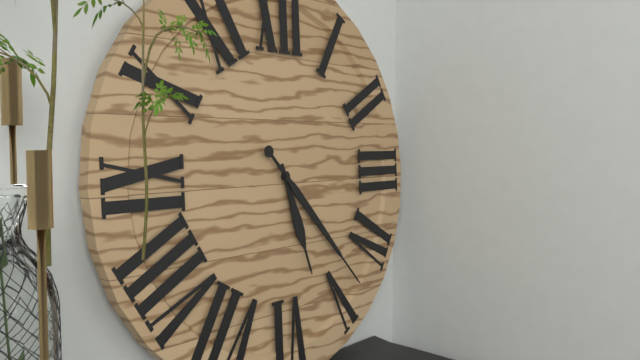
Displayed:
5:23
